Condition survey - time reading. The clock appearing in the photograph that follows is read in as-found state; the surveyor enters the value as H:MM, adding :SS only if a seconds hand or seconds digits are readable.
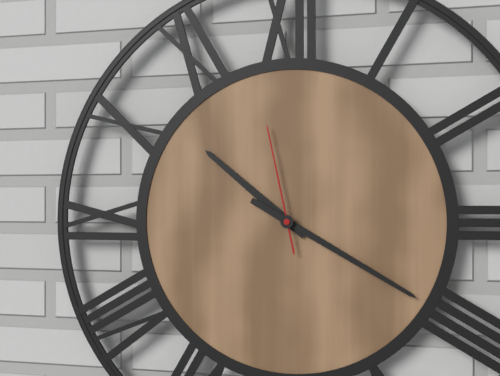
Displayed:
10:20:58
